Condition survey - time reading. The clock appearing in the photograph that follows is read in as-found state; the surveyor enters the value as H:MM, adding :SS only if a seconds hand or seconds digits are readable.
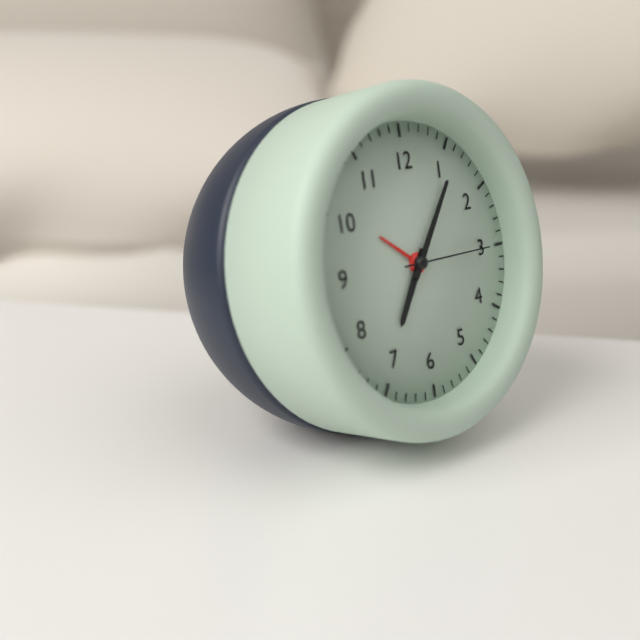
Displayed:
7:06:15
